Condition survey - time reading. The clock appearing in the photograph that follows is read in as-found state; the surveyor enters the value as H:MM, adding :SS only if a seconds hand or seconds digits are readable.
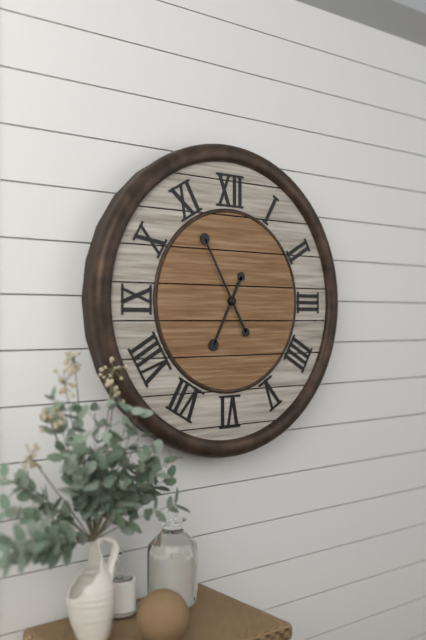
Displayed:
6:55
